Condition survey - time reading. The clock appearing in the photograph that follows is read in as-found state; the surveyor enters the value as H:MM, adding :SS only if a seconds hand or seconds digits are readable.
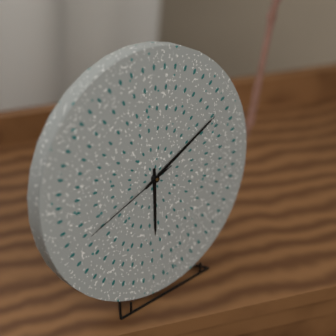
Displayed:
6:11:42
